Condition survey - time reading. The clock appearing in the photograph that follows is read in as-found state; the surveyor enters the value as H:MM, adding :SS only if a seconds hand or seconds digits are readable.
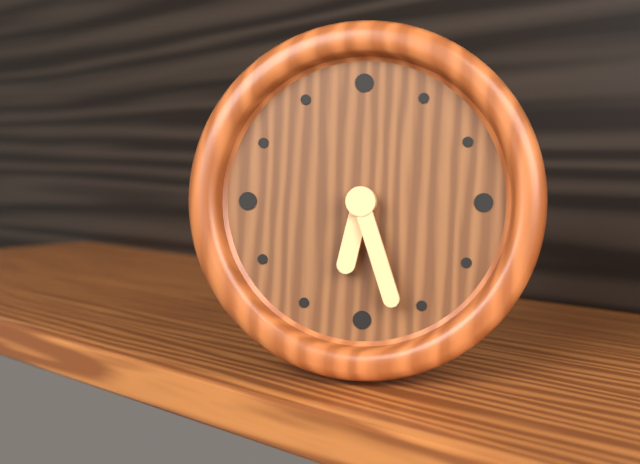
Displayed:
6:27
